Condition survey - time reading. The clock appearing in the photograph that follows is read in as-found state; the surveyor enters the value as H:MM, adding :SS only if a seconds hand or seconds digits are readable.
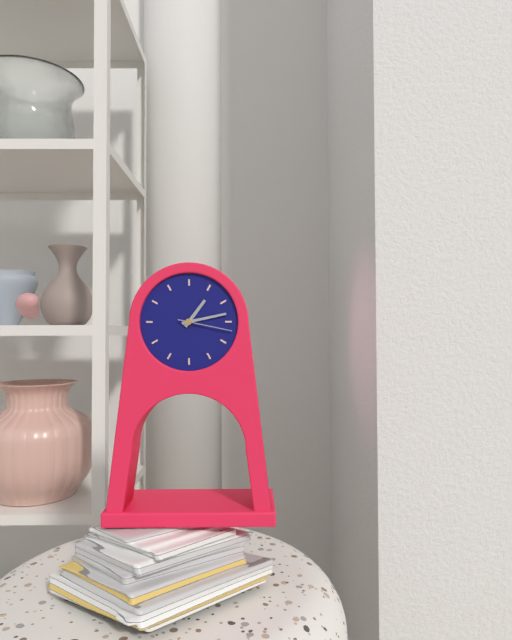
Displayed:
1:13:17
